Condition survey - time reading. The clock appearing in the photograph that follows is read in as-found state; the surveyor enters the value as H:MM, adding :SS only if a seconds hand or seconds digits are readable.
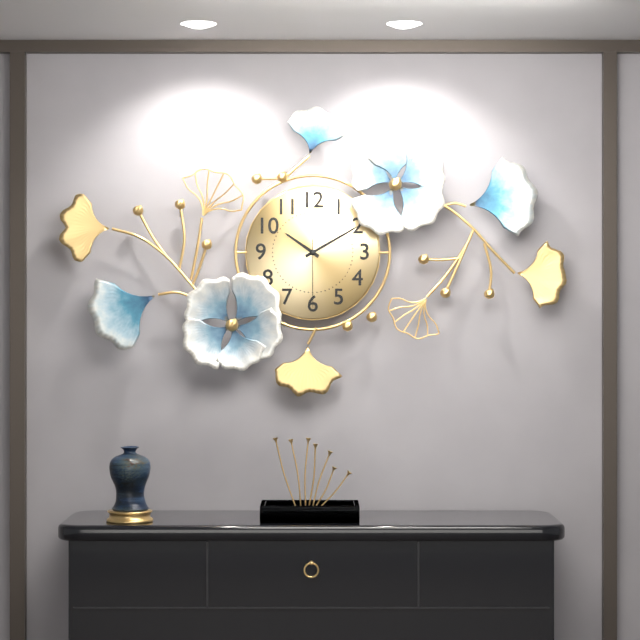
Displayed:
10:10:30
